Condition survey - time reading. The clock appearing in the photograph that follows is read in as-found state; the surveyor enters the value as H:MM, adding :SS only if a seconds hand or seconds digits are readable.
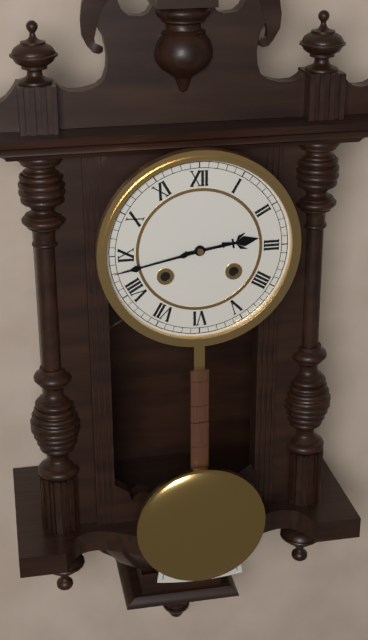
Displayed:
2:43
